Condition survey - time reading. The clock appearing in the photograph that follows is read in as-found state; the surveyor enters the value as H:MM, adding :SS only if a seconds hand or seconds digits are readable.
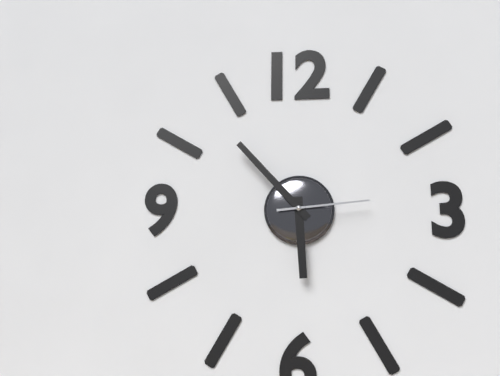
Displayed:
5:53:14
